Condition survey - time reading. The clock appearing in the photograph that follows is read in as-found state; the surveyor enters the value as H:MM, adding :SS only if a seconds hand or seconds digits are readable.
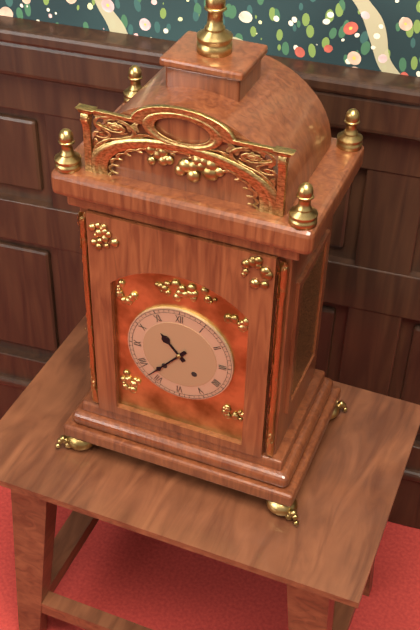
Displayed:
10:37
